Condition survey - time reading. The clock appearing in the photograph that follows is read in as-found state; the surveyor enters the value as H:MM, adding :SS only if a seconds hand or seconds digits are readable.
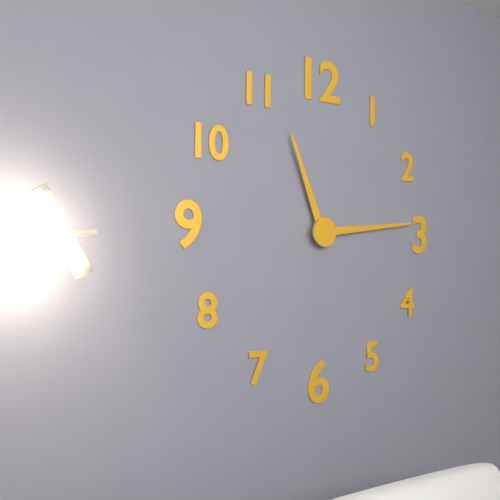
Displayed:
11:14
